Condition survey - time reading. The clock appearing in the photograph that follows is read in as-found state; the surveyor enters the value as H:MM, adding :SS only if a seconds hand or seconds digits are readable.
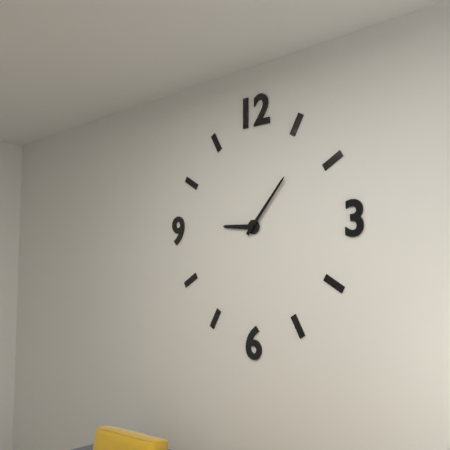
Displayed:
9:07
